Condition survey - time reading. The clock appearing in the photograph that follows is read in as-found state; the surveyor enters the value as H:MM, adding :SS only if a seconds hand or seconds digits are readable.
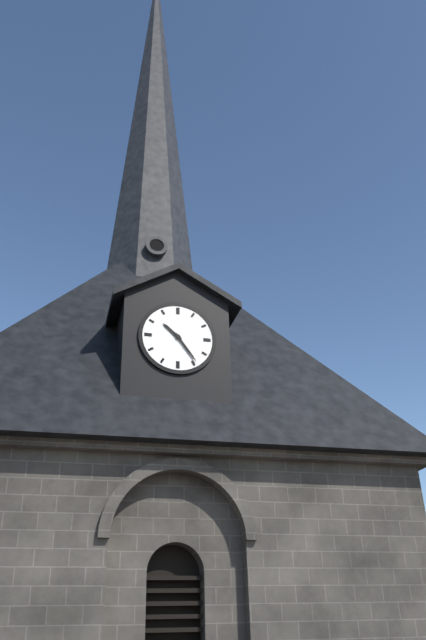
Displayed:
10:24
